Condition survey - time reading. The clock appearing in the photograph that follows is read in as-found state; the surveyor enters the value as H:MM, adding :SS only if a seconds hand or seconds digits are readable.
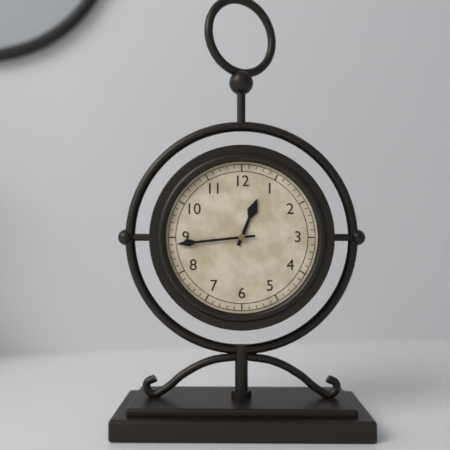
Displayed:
12:44
